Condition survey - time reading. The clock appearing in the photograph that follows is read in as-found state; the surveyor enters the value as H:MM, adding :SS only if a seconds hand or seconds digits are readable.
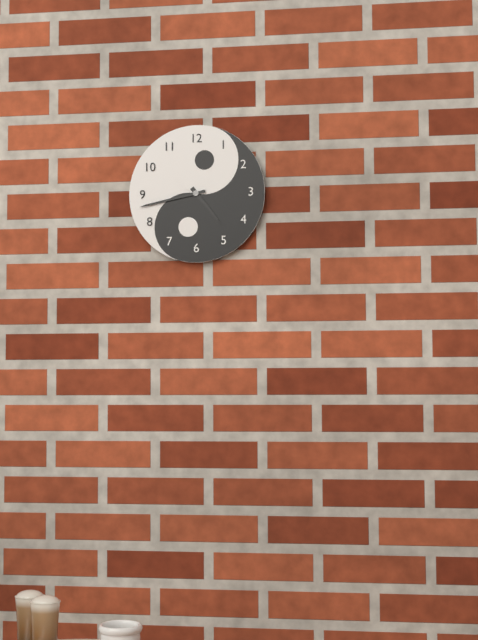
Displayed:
4:43
